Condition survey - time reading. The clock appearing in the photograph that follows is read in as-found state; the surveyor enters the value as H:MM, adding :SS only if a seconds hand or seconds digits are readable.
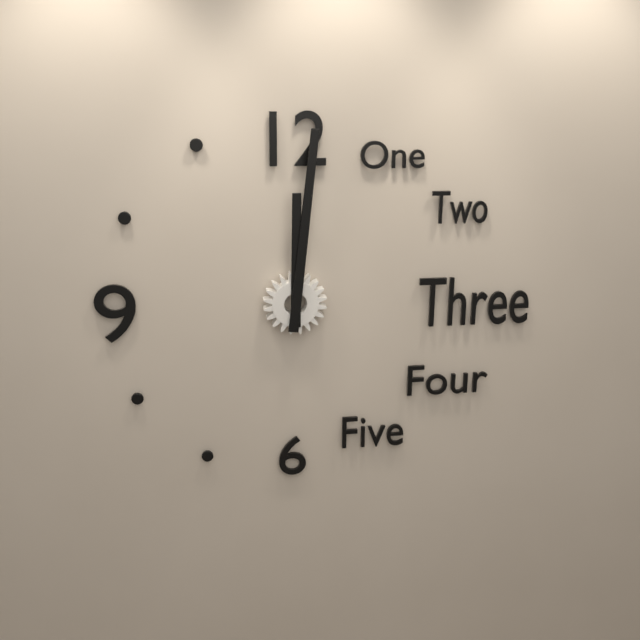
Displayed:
12:01
